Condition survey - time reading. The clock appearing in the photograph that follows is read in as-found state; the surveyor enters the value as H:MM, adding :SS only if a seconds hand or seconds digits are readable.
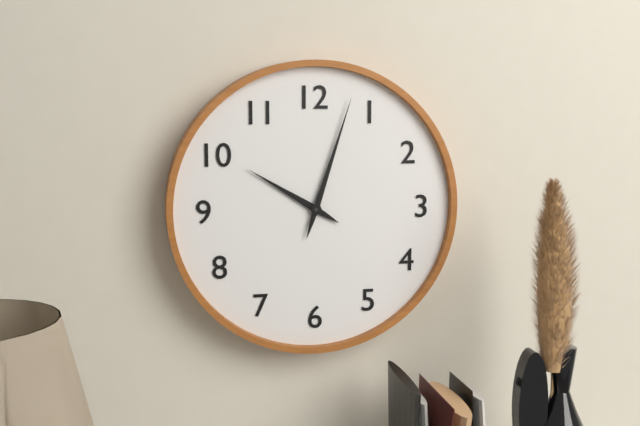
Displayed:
10:03
